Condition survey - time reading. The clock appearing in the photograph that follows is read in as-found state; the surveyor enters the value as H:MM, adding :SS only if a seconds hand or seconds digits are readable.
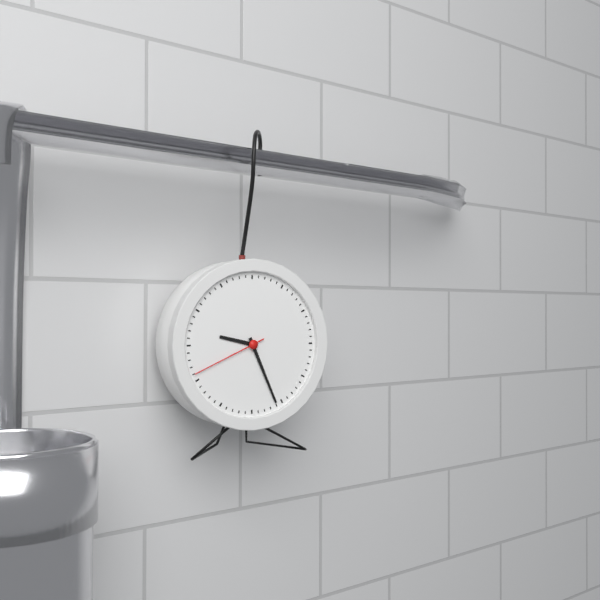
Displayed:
9:26:41
